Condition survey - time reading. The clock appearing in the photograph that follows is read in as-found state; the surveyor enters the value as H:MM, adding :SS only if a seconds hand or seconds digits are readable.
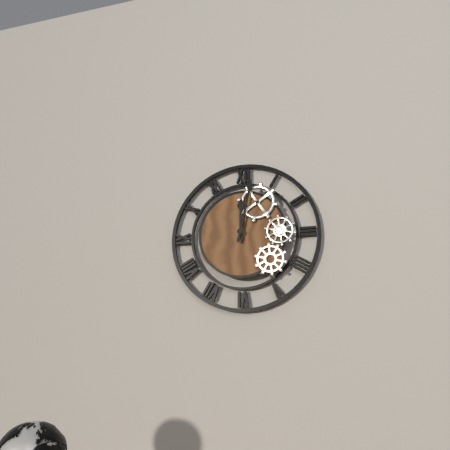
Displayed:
12:02
